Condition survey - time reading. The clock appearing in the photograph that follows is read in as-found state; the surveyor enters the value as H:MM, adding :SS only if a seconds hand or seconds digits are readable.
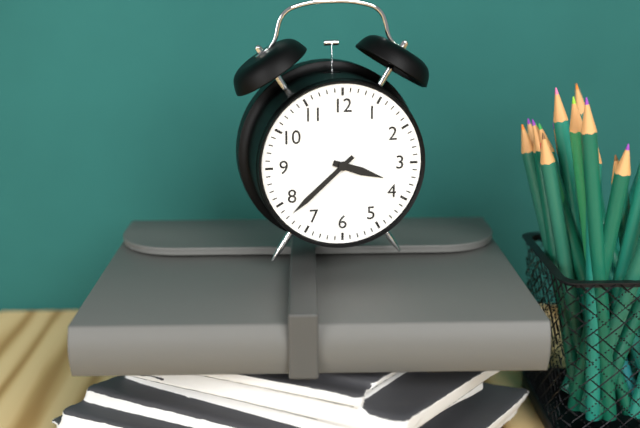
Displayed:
3:38
